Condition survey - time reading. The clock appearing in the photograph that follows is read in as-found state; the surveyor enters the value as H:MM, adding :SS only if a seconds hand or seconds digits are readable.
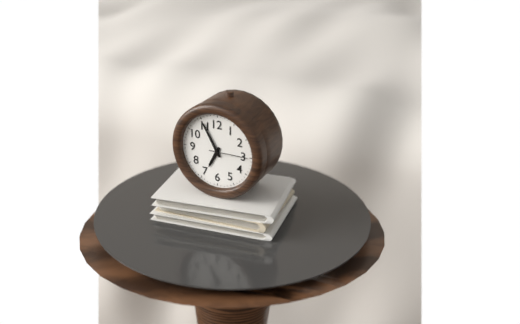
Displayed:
6:55
